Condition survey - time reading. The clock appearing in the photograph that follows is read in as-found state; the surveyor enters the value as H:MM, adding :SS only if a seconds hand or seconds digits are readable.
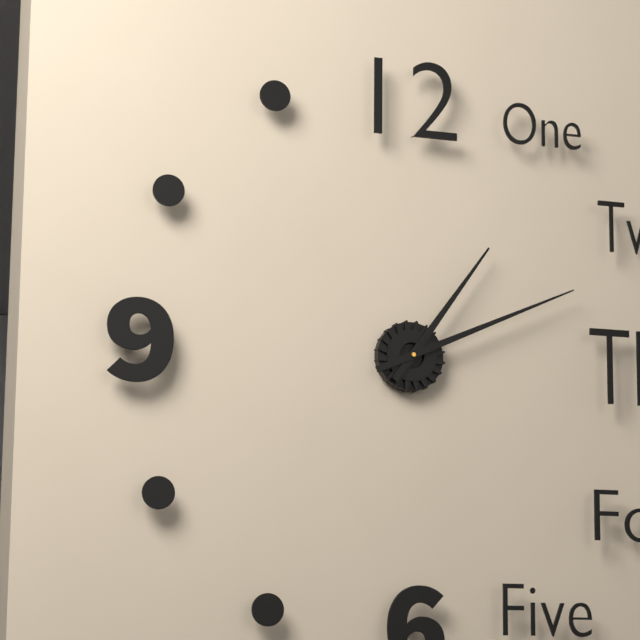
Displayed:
1:11
